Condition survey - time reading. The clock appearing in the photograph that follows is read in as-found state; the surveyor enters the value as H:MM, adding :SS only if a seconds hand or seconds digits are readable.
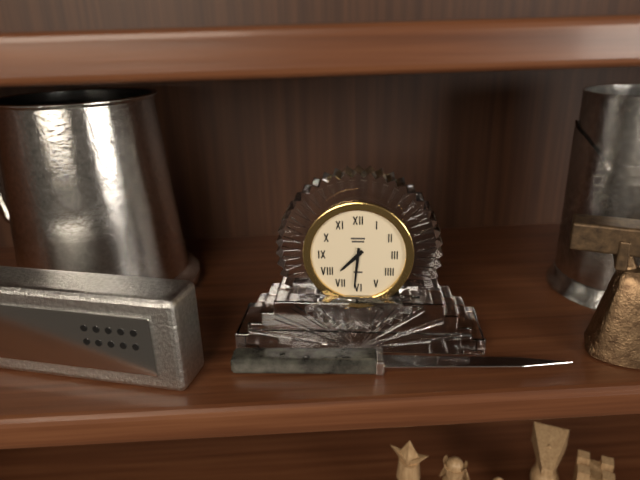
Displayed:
7:31
